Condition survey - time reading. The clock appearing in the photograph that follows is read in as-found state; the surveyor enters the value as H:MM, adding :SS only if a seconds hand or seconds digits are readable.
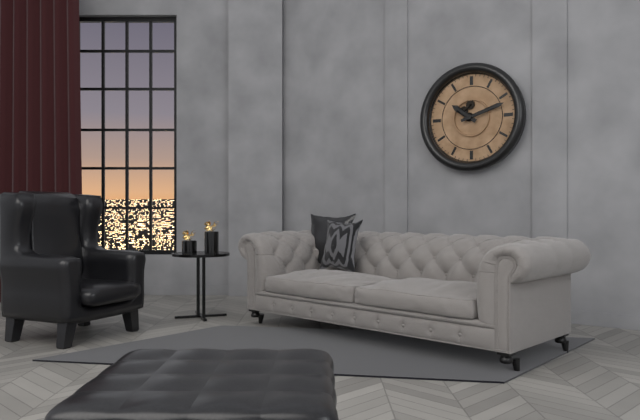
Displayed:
10:12
